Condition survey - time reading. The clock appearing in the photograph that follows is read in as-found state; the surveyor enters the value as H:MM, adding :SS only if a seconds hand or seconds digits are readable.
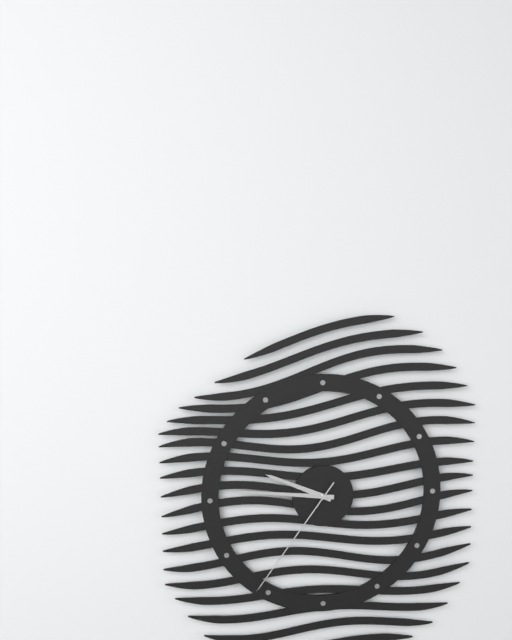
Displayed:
9:46:36
